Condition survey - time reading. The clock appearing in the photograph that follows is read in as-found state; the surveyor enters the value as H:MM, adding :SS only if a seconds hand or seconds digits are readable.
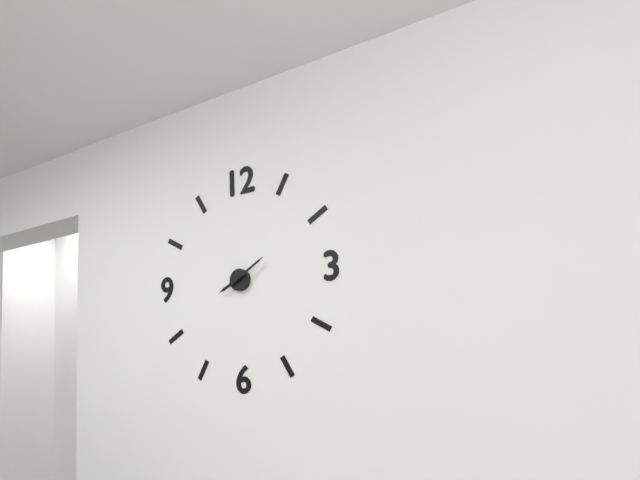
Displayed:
8:10
